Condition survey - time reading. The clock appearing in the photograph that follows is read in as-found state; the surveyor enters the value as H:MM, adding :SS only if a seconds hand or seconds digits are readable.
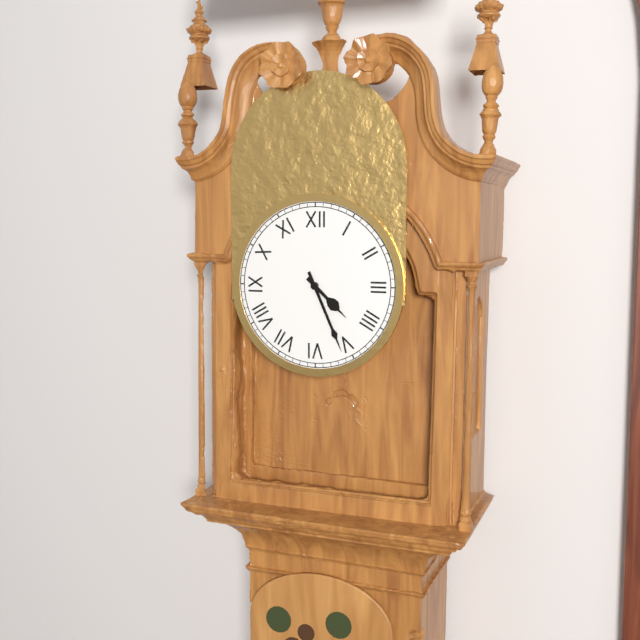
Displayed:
4:26
